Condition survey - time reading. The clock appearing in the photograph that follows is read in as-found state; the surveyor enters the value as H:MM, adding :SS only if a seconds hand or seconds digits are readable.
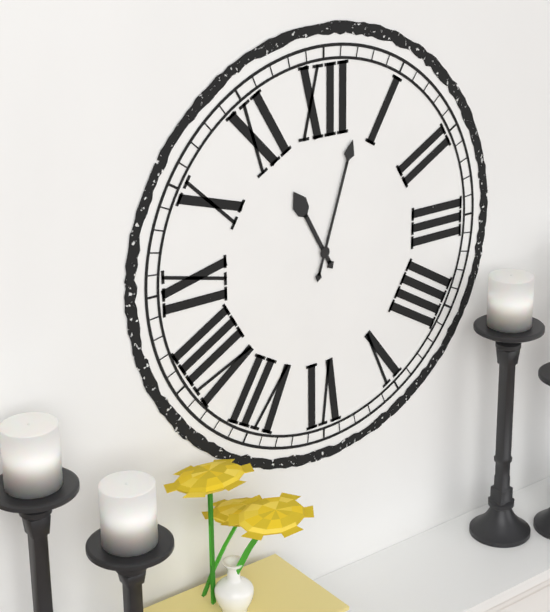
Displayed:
11:03
